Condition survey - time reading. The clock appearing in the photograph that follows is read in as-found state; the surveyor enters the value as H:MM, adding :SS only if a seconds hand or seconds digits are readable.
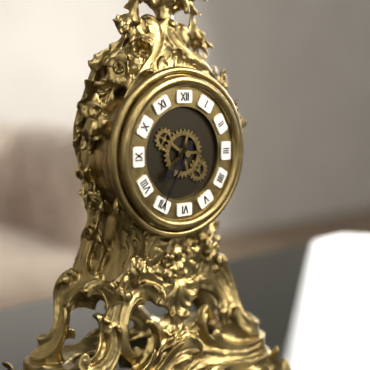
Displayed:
7:35
